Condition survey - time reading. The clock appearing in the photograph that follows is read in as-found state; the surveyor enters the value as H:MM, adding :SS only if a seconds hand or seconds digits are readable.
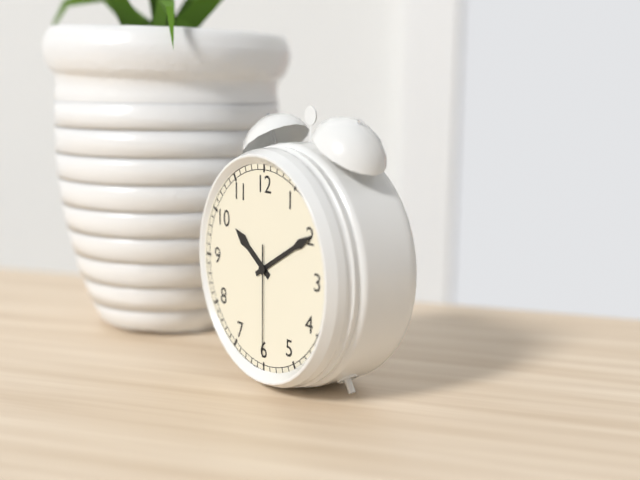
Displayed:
10:10:30
